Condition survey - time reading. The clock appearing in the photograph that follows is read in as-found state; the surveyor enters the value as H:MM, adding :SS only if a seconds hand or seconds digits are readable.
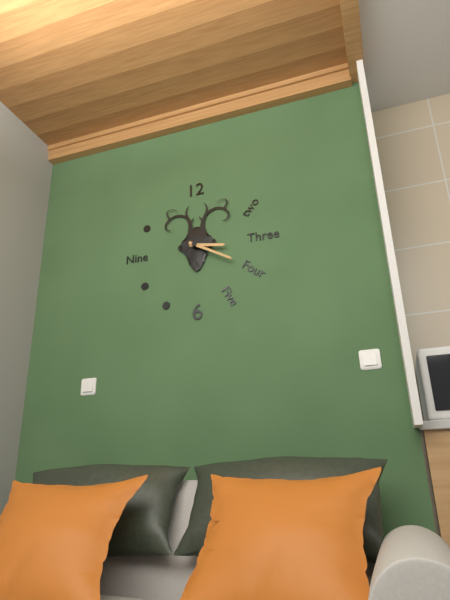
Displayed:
3:20
